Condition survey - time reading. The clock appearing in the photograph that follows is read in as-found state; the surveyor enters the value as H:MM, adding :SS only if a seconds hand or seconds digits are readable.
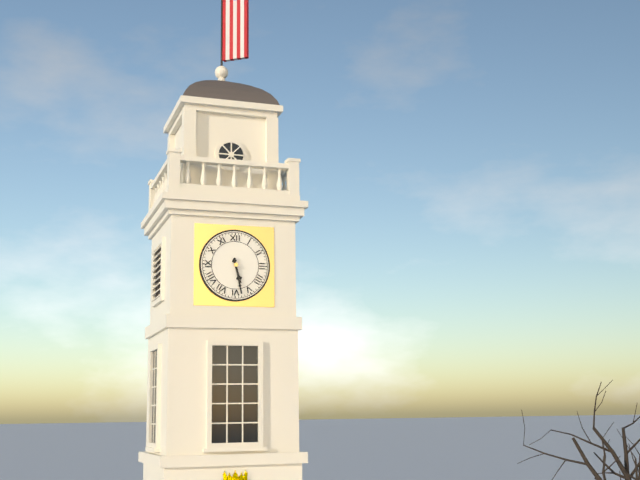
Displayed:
5:28
